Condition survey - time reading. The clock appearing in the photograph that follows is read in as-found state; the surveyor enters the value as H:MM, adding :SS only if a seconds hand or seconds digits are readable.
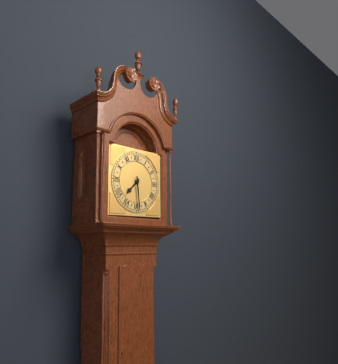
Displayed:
7:29
